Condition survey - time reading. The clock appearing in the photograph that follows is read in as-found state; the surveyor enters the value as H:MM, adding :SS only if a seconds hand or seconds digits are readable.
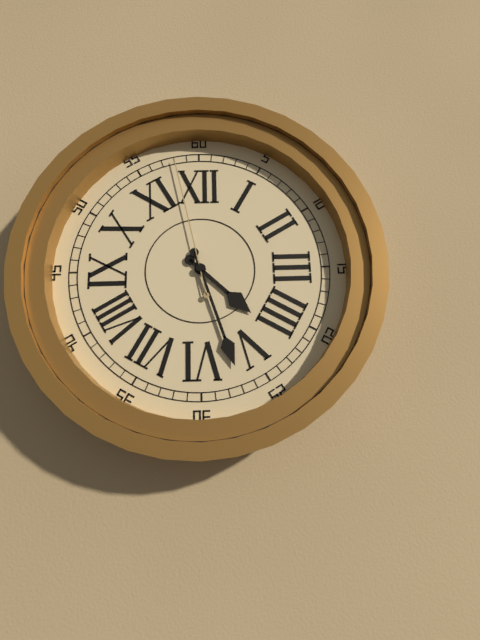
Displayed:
4:27:58
